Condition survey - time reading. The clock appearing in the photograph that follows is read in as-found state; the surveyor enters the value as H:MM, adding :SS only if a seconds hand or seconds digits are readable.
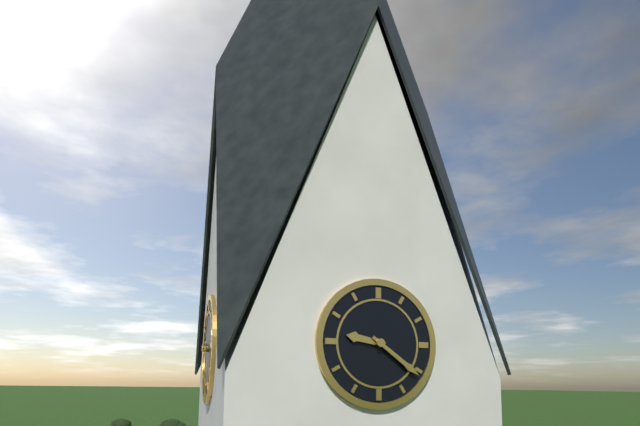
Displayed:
9:21
